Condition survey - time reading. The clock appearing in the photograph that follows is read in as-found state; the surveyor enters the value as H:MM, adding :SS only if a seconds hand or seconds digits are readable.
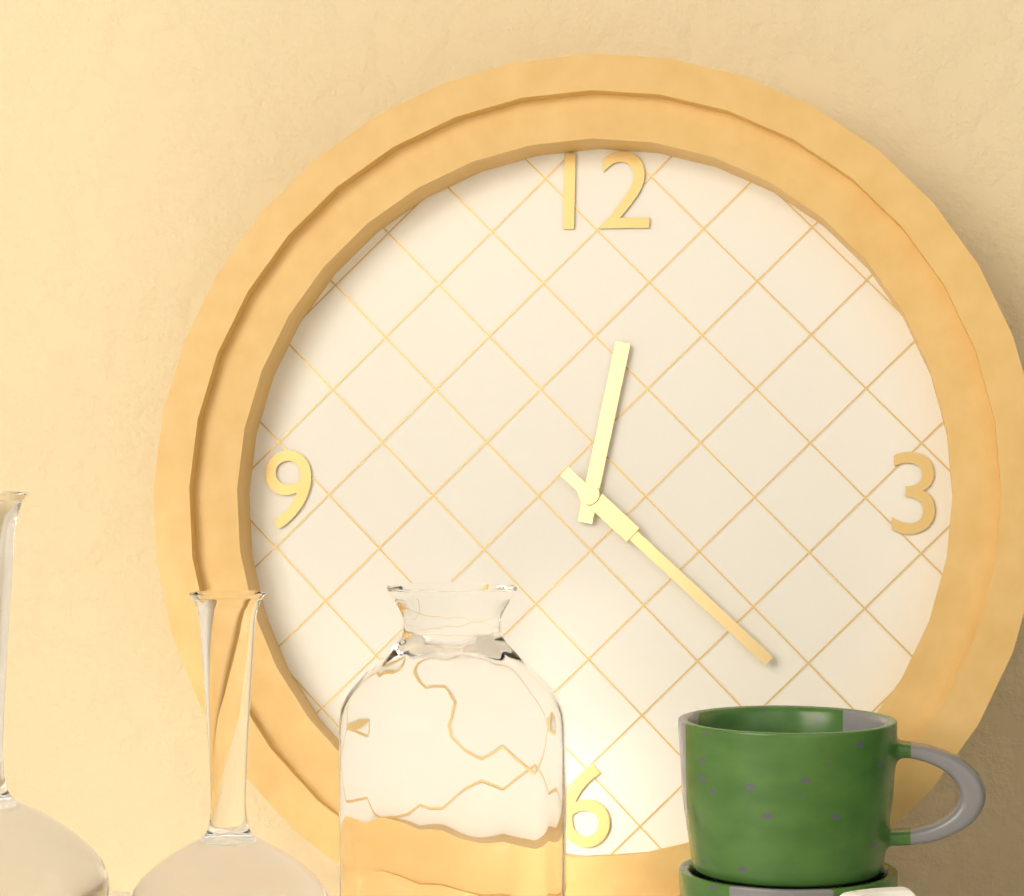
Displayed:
12:22
